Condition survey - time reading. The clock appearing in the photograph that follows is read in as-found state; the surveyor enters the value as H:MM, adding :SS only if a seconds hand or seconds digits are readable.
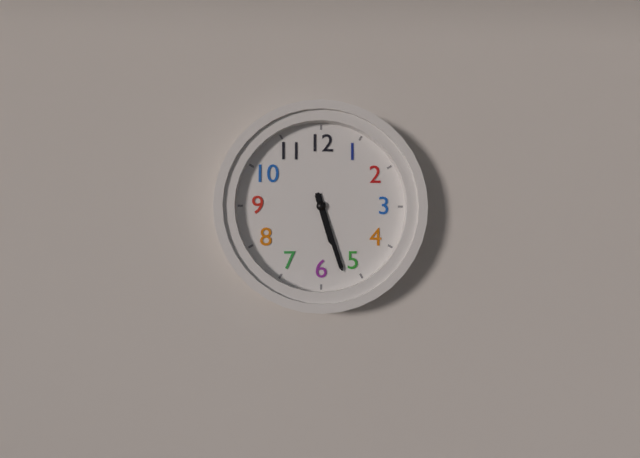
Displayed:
5:27
